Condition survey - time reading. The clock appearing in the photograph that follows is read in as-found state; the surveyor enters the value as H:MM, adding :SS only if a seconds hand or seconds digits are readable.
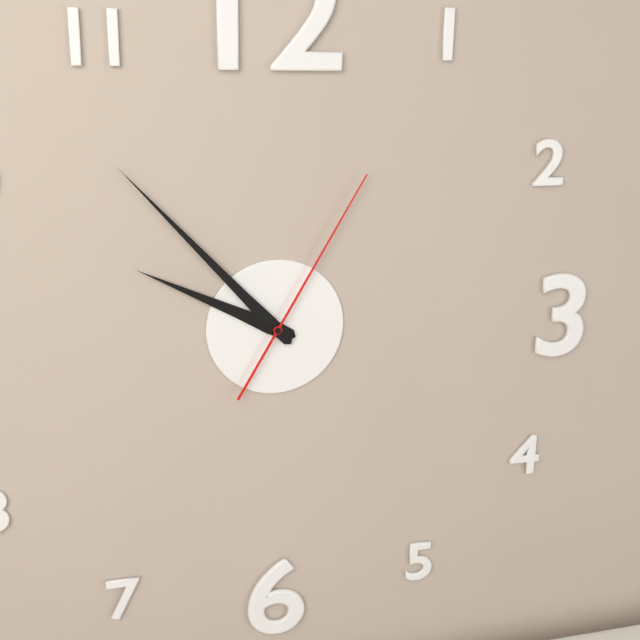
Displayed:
9:53:05
